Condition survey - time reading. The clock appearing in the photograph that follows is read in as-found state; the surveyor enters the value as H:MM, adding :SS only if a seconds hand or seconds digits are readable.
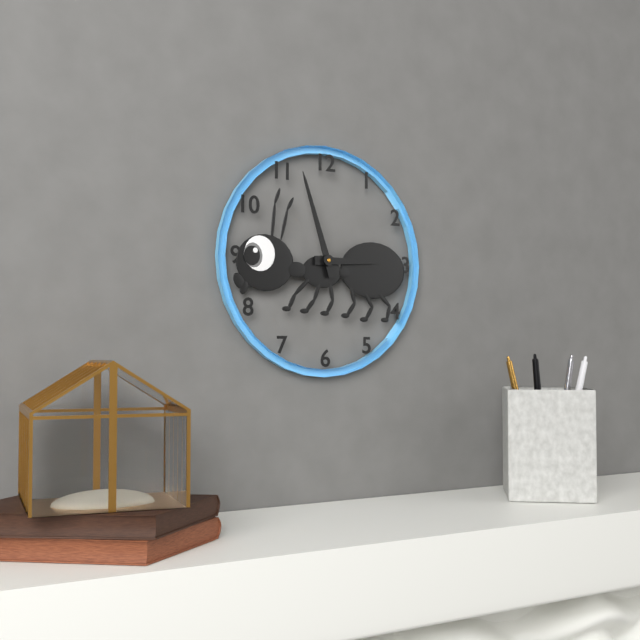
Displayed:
2:57
